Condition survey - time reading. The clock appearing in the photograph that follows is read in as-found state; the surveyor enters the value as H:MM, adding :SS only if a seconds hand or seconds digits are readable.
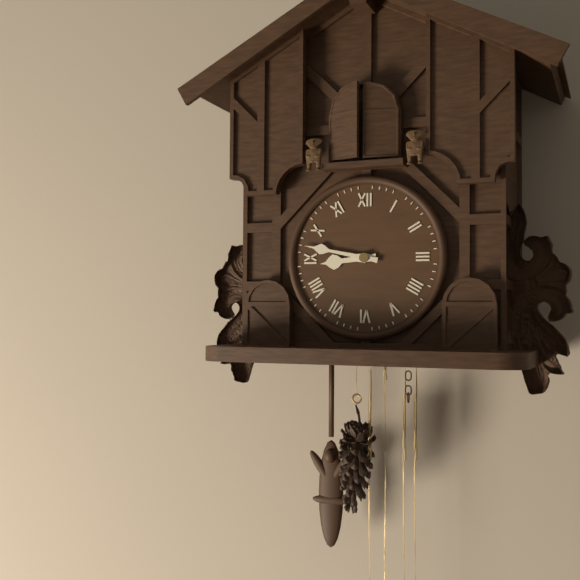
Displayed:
8:47
